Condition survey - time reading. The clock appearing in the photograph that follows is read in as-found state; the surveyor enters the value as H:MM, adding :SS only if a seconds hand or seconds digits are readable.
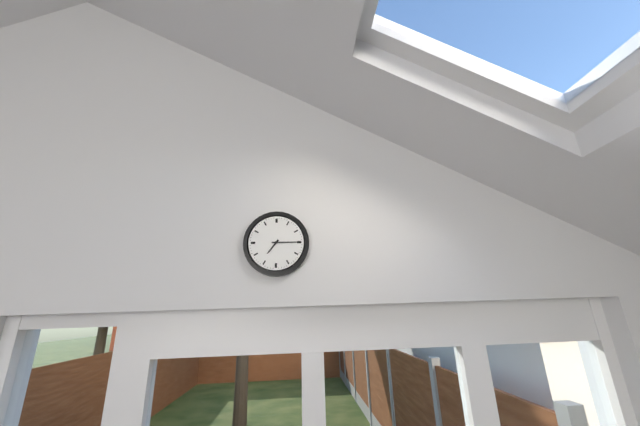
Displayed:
7:15
